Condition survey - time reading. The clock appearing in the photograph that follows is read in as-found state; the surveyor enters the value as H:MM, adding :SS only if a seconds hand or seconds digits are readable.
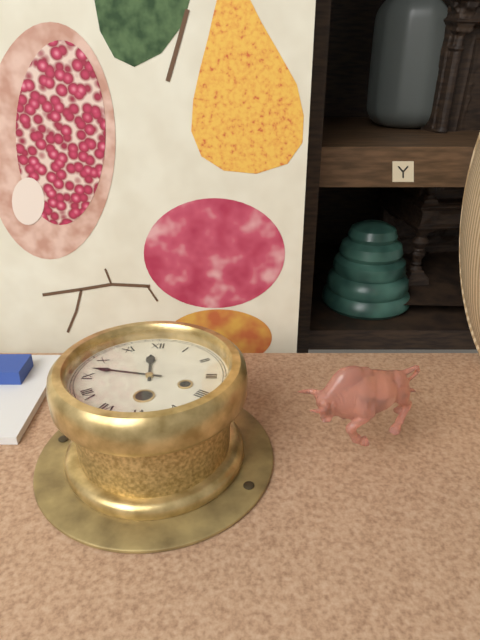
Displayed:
11:47
